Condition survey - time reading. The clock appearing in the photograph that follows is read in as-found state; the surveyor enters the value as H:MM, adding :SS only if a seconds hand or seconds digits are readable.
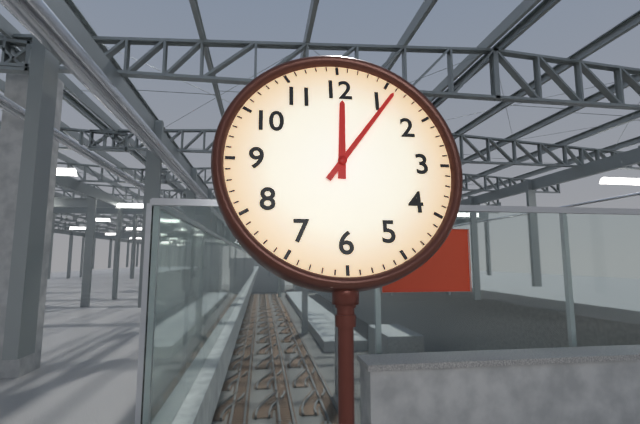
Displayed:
12:06
